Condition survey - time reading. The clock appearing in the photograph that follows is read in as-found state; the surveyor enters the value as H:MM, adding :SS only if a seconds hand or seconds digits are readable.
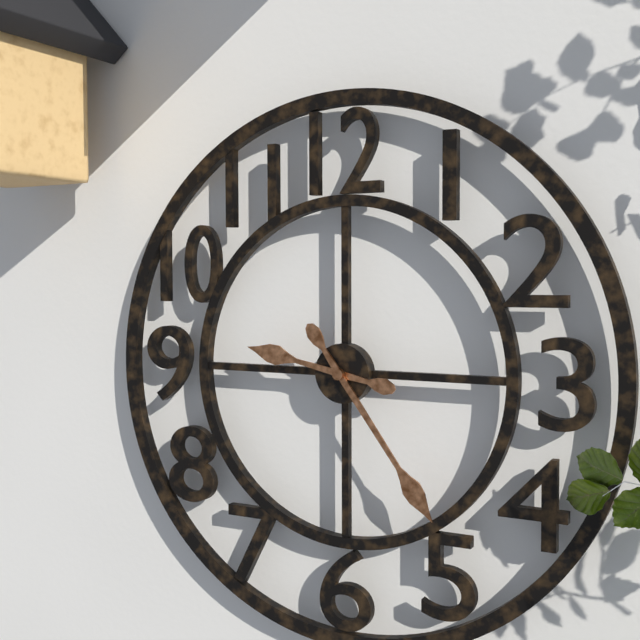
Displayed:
9:24
